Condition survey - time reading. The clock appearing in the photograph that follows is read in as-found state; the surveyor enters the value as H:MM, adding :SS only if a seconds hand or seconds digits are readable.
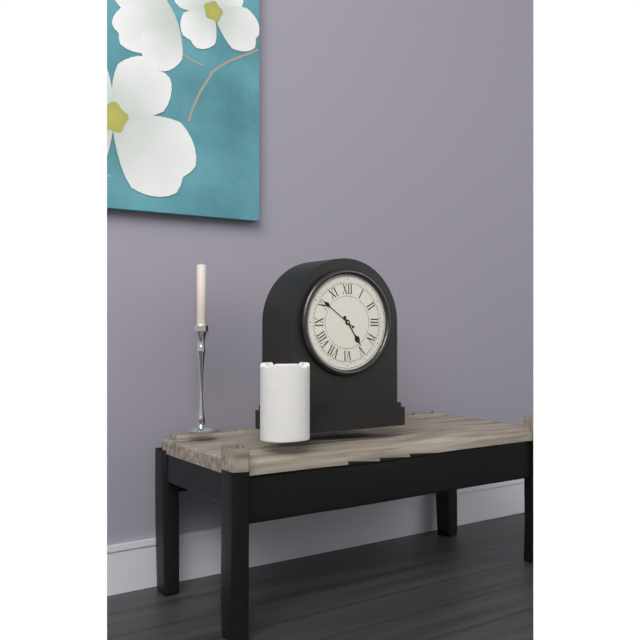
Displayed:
4:51
